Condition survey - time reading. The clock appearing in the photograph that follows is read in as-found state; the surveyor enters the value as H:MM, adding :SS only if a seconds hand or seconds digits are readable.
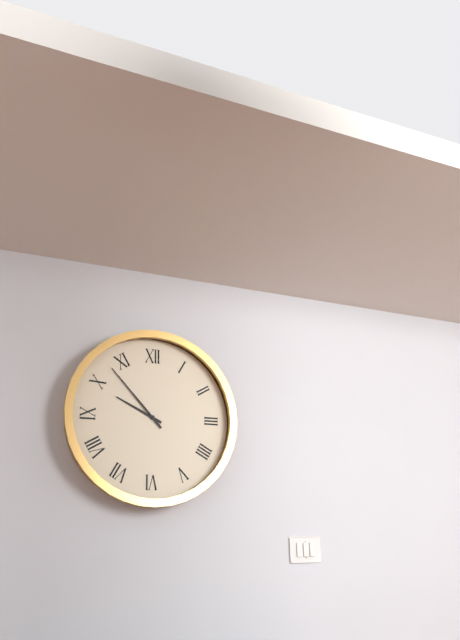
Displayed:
9:53
